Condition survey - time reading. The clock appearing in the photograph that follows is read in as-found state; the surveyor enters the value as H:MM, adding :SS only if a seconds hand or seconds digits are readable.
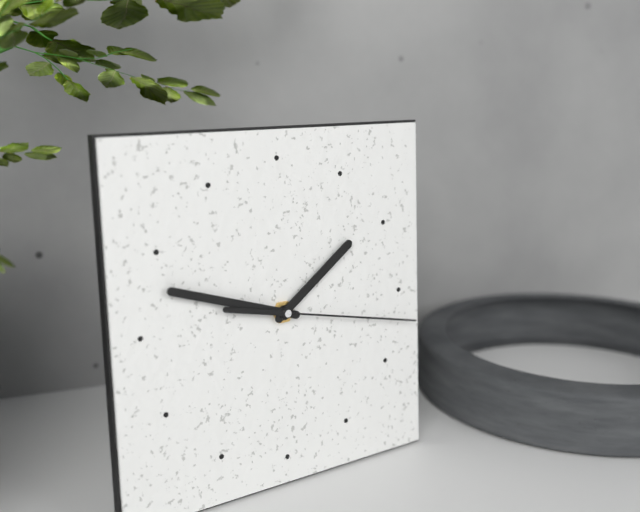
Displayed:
1:48:17
